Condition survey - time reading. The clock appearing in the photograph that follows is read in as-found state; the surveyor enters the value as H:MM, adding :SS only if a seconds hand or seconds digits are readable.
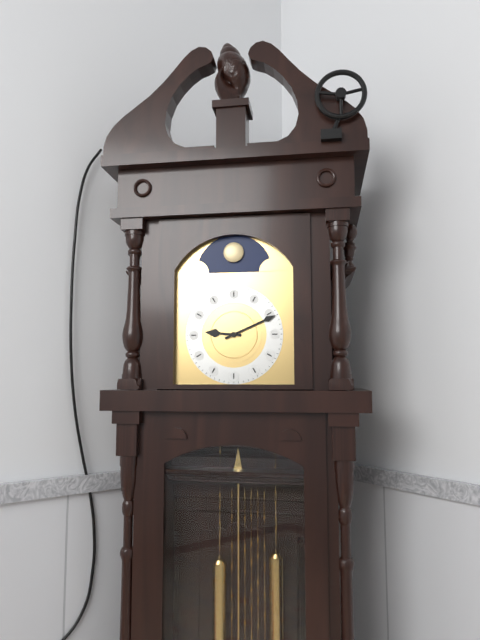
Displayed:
9:11
